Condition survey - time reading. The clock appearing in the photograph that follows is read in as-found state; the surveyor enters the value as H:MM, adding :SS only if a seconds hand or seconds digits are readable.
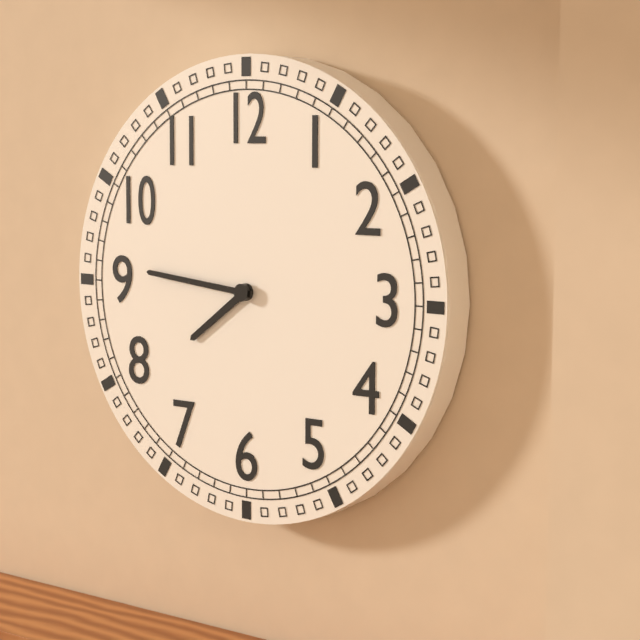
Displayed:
7:46
